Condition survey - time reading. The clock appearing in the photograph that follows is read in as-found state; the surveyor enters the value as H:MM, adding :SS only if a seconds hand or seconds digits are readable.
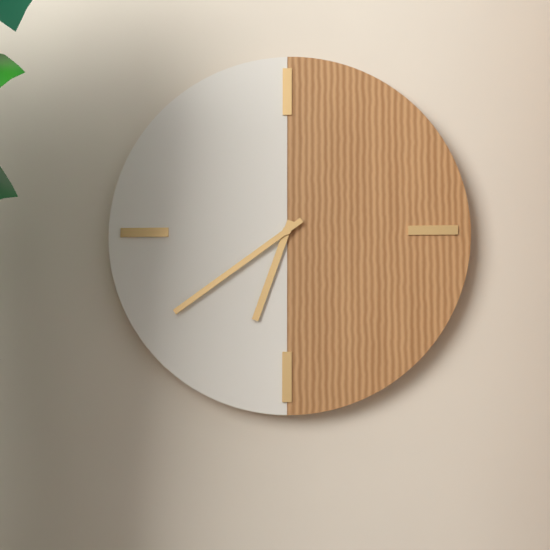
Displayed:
6:39
